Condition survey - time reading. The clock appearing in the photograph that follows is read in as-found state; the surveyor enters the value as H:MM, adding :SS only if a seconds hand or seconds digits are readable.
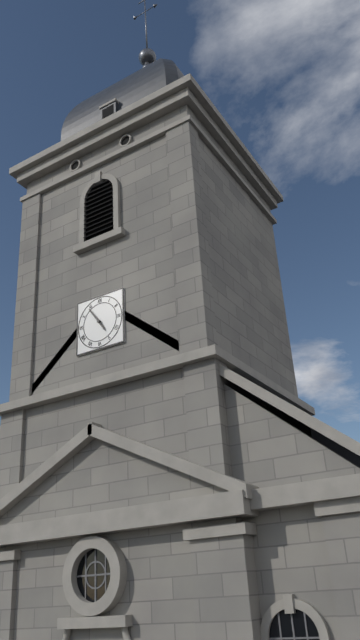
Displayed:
4:54
